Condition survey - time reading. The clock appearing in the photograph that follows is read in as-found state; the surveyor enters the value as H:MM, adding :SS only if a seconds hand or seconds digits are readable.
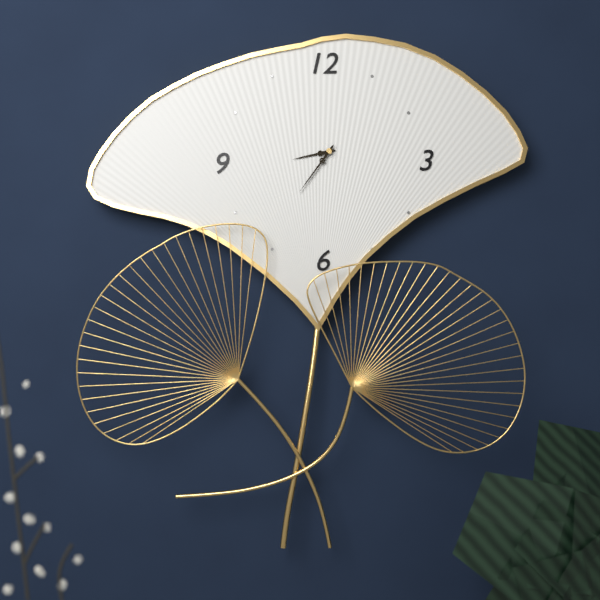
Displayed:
8:36
